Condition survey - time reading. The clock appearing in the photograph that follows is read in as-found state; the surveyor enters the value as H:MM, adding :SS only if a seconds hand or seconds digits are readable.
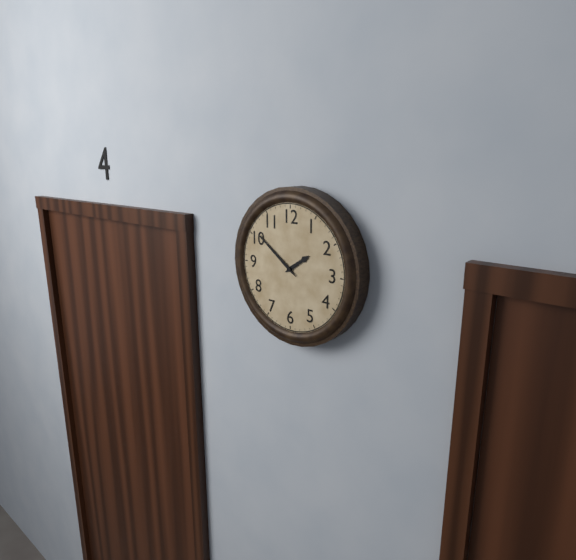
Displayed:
1:51
